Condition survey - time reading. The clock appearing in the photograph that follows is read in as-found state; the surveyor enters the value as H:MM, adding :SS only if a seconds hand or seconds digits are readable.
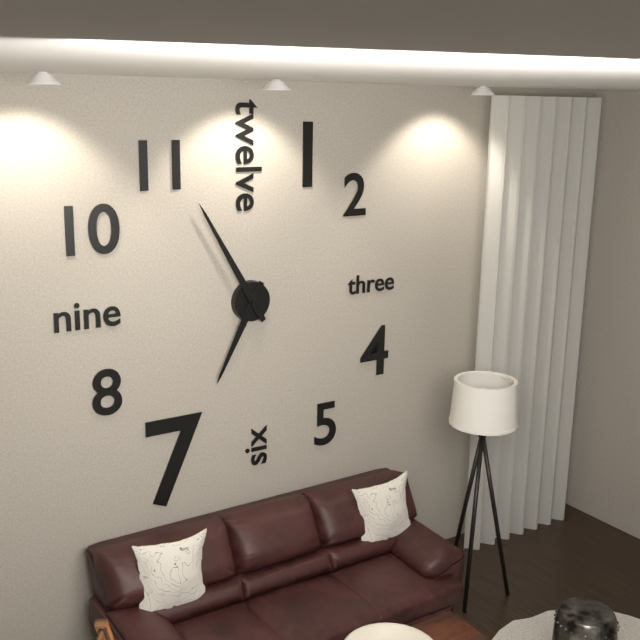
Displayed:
6:55
